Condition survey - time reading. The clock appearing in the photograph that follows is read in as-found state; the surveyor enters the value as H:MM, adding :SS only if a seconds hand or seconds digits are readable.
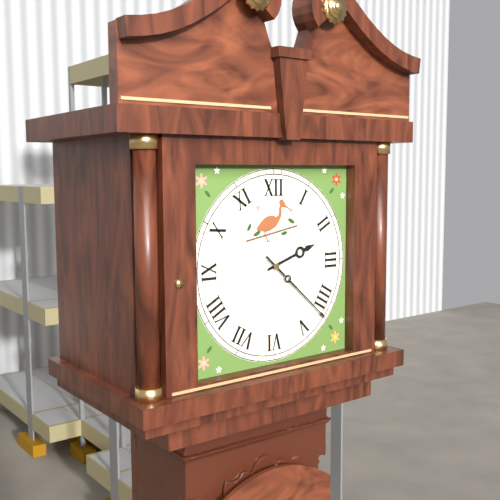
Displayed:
2:22
